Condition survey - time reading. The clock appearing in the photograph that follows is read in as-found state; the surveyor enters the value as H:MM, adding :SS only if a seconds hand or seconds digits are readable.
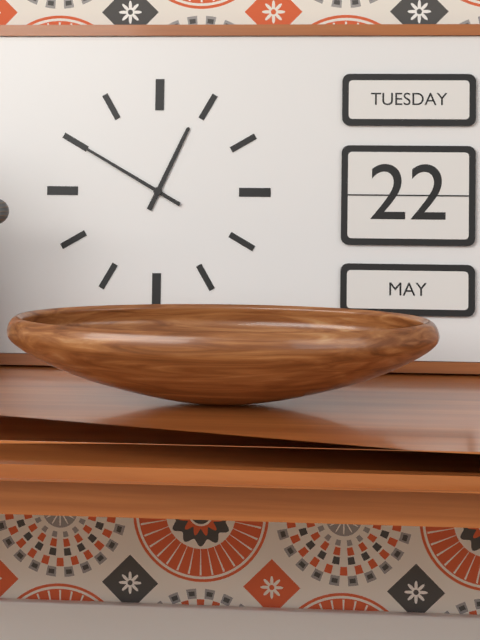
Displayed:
12:50
